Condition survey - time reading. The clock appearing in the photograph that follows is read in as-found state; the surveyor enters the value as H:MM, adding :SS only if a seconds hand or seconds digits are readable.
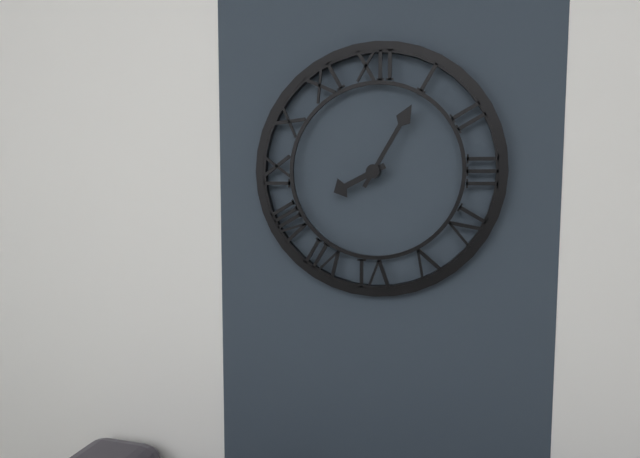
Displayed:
8:05
